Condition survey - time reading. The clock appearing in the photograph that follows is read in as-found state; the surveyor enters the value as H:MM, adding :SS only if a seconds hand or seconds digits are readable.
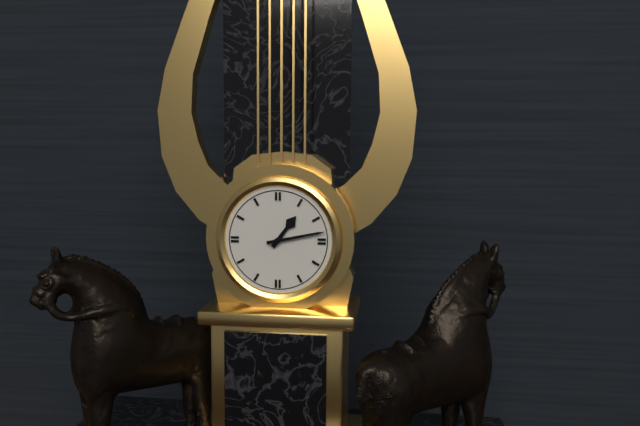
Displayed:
1:13
